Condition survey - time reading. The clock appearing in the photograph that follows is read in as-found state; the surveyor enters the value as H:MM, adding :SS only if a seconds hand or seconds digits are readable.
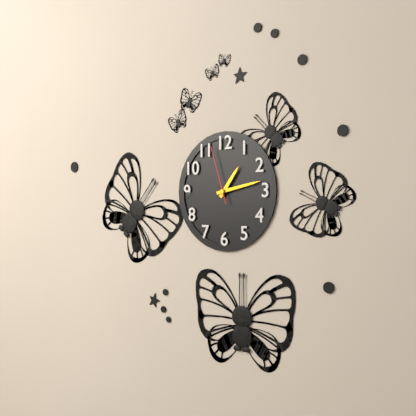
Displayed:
1:13:57
